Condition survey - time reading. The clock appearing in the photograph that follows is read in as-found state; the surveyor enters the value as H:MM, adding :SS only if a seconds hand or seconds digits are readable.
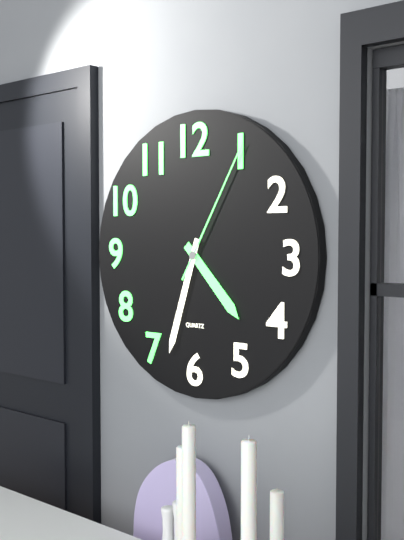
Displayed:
4:33:05
